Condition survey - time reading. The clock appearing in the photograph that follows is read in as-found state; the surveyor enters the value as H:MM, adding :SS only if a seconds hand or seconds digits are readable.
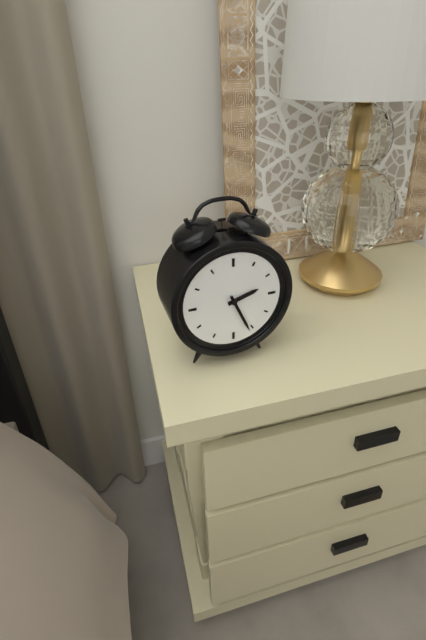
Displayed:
2:26
